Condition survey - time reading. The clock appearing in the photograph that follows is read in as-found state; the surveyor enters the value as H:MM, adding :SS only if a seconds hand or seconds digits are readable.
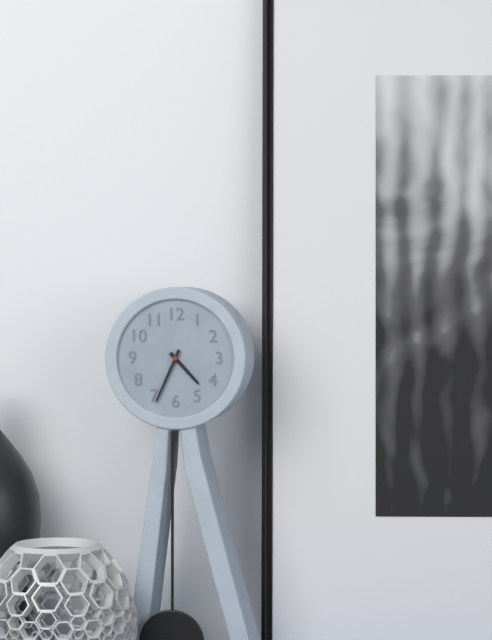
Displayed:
4:34
